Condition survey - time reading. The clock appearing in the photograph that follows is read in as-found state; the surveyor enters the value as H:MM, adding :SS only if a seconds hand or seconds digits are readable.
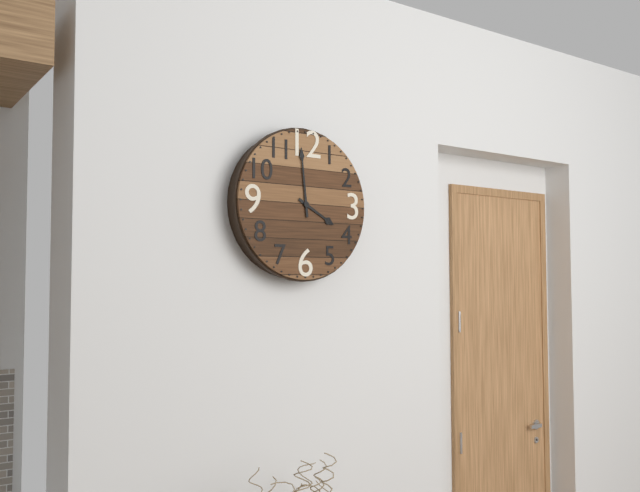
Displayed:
3:59
